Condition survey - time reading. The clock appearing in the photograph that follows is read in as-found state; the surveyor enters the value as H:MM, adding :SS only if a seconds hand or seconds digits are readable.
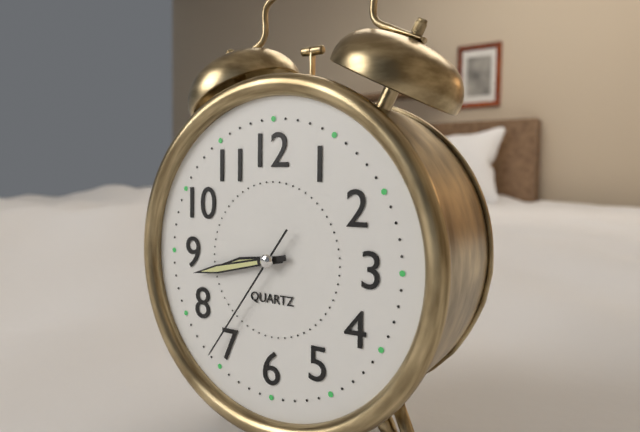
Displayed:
8:43:36
